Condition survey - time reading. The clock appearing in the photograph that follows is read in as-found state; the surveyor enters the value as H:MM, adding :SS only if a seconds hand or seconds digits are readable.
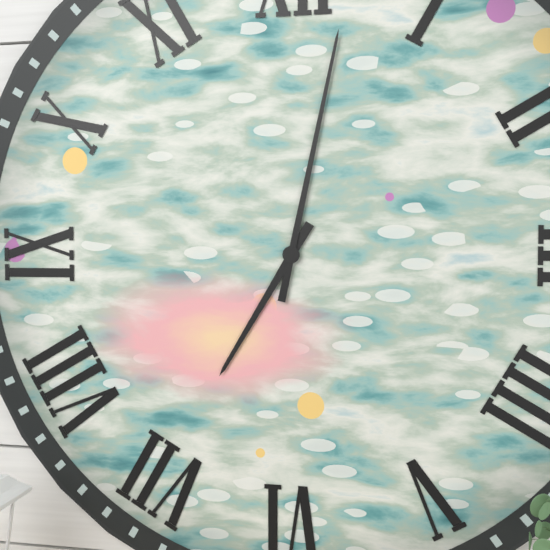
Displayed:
7:02
